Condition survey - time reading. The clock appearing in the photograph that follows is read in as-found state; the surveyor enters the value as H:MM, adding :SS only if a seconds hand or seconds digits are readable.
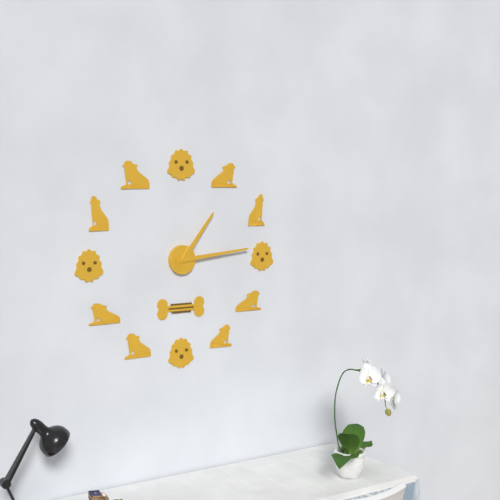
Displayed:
1:14
